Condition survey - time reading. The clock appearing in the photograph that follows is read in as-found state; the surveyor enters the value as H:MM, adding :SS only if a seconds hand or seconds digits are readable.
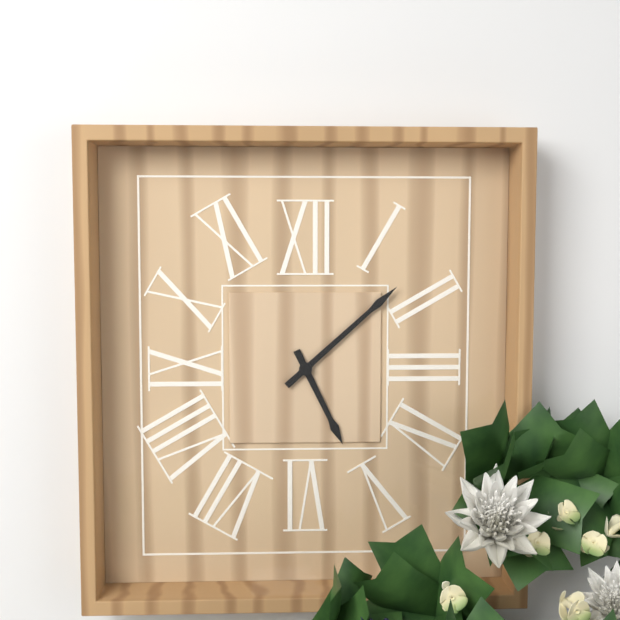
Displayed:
5:08
